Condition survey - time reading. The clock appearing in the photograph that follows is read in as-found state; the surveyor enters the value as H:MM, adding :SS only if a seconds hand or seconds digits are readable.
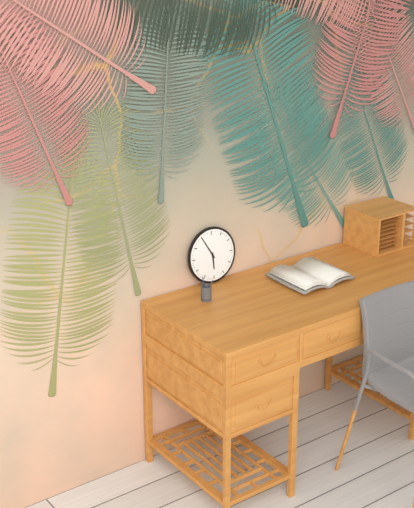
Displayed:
5:55
